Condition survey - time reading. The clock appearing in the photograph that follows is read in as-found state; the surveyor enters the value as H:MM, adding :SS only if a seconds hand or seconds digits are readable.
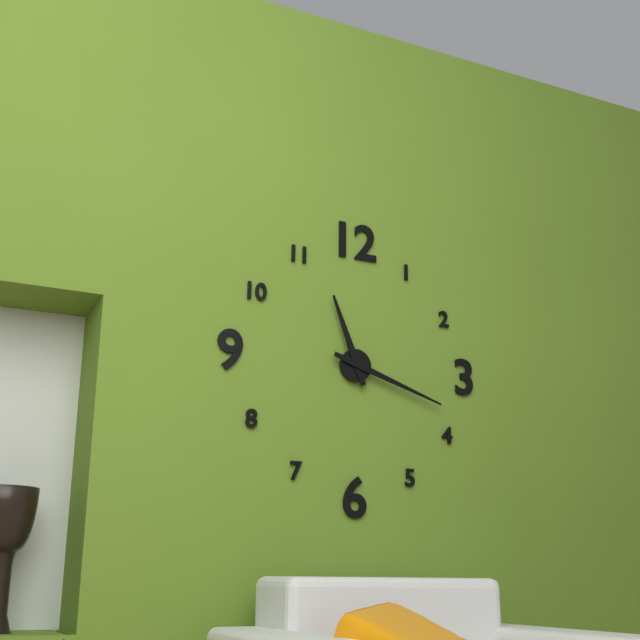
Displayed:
11:18
